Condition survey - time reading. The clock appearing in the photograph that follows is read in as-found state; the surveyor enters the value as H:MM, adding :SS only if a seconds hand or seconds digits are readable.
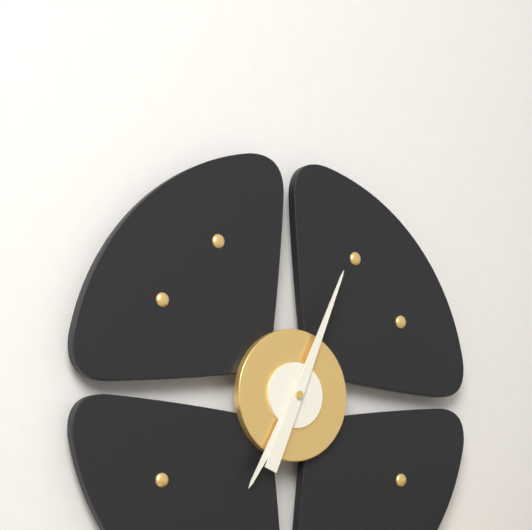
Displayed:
7:04
